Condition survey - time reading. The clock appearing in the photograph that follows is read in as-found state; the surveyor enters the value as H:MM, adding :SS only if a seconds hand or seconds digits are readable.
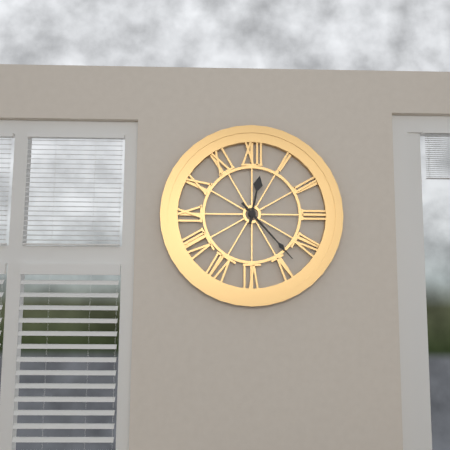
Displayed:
12:23
